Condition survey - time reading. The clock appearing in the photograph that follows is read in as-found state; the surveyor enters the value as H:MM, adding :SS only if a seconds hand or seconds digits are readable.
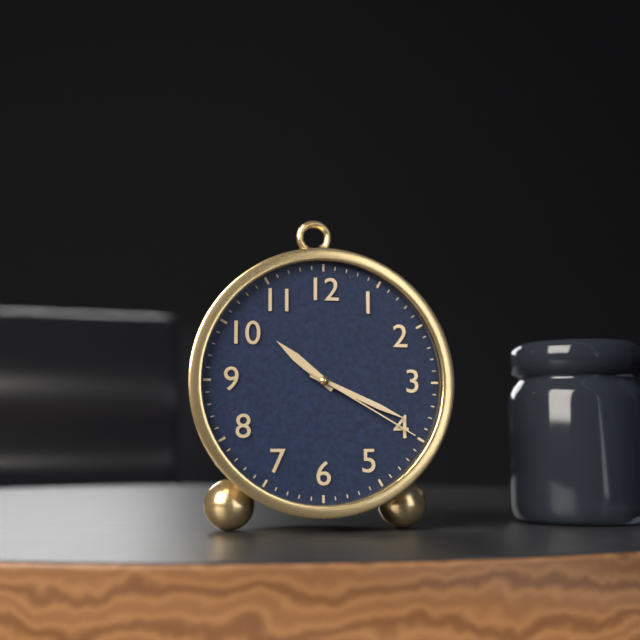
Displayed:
10:19:20
